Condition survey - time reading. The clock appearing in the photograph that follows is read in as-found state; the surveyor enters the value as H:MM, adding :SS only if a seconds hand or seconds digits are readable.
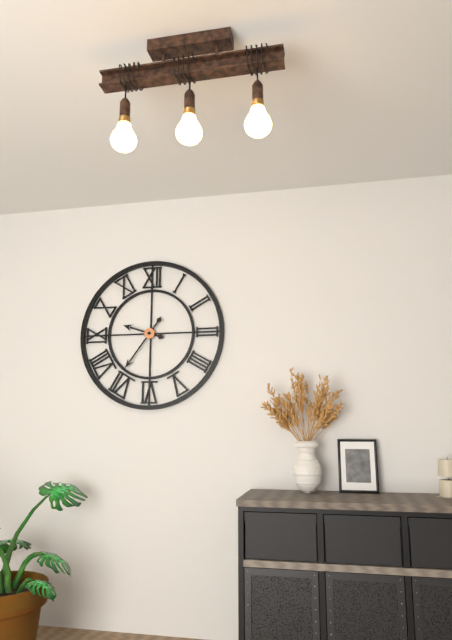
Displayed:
9:36
